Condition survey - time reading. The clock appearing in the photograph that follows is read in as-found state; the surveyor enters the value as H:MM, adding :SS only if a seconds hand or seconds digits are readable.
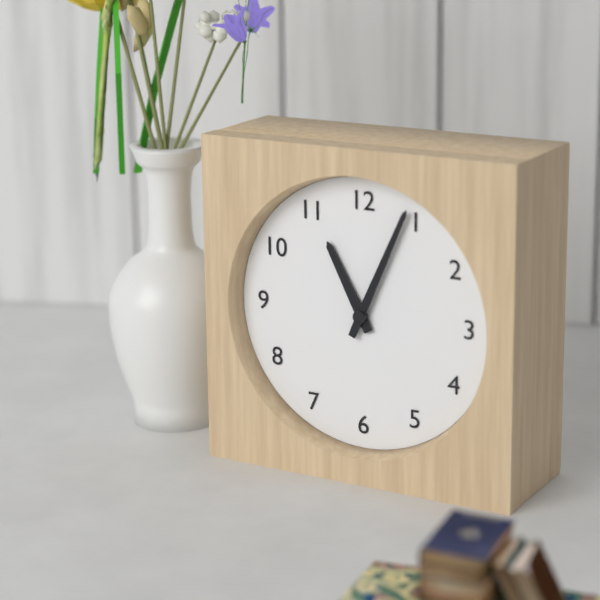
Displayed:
11:04
